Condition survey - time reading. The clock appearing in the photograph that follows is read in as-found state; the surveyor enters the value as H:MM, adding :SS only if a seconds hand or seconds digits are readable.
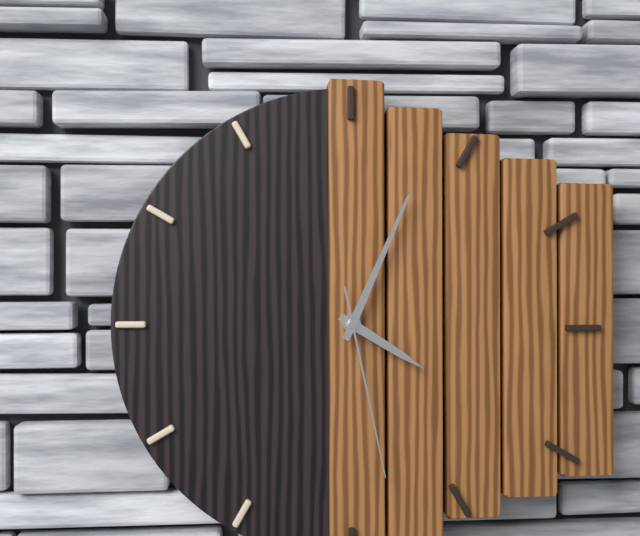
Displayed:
4:04:28
